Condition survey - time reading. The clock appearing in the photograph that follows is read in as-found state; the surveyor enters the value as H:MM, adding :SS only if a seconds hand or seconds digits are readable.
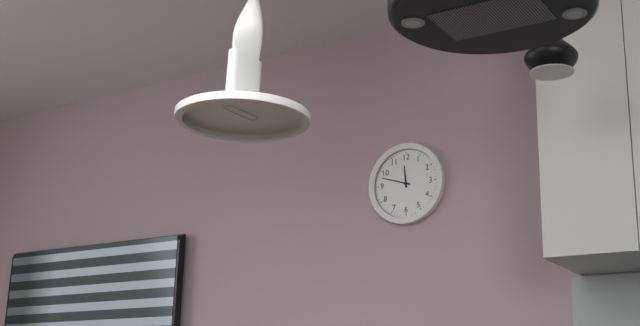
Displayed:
11:48
